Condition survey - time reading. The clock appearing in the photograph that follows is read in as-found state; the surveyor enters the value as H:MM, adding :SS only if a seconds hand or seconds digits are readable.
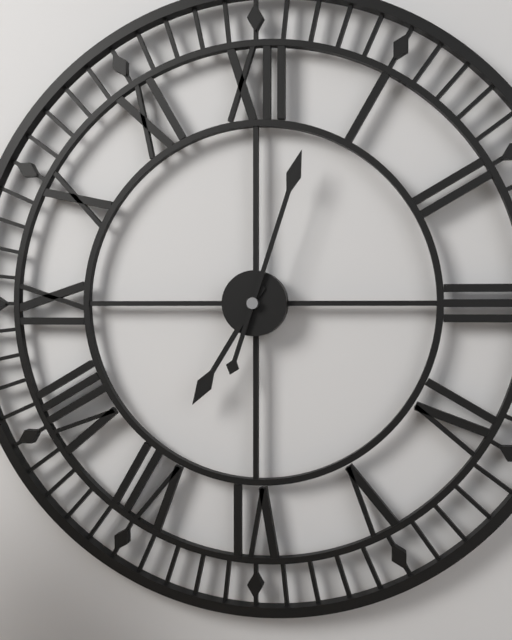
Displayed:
7:03
